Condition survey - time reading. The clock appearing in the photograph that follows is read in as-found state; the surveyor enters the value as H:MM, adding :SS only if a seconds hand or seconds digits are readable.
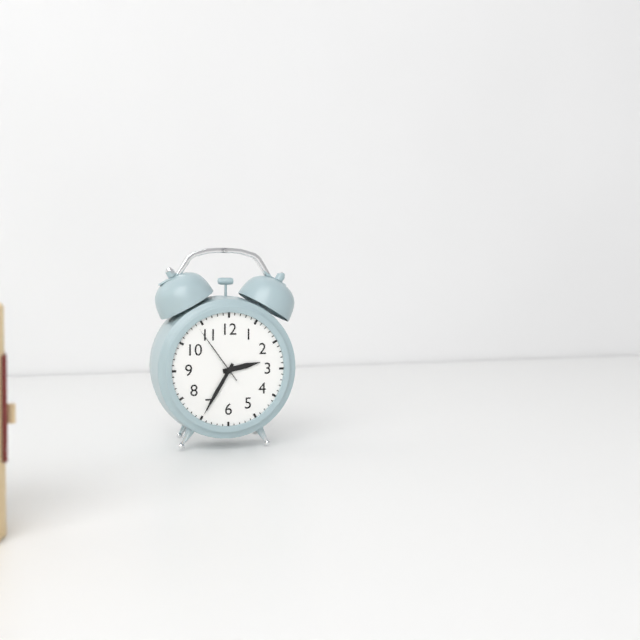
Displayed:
2:35:54
